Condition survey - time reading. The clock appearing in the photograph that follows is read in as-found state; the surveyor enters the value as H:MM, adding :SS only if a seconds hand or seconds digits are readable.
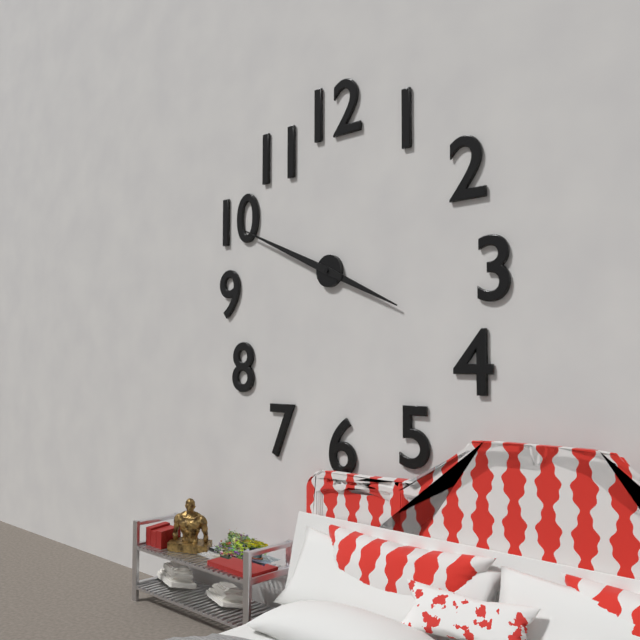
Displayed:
3:49
